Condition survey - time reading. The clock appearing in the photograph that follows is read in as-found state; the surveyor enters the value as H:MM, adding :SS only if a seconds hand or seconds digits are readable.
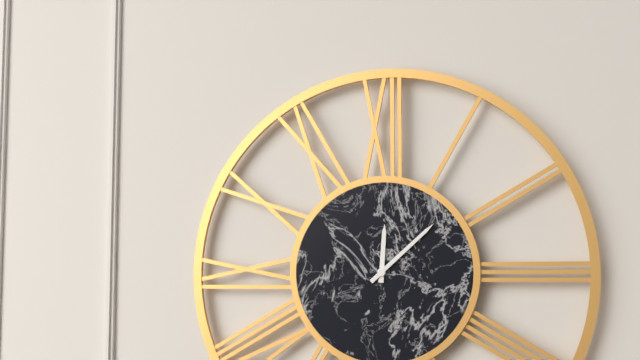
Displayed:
12:08
